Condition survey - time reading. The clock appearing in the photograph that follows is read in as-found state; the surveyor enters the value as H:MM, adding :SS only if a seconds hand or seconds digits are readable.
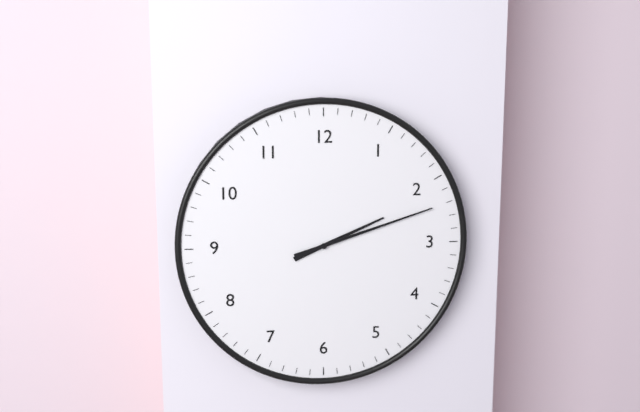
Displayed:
2:12
